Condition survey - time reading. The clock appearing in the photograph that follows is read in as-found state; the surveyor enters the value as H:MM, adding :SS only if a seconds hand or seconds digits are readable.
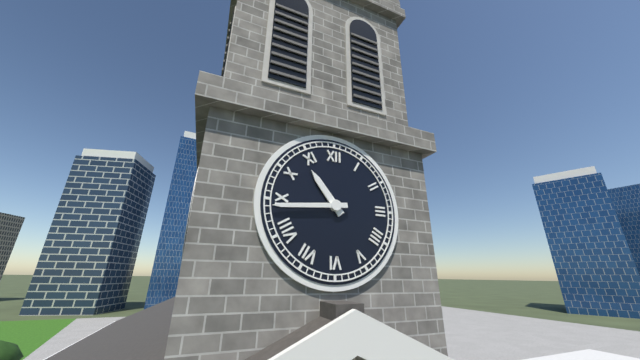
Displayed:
10:44
